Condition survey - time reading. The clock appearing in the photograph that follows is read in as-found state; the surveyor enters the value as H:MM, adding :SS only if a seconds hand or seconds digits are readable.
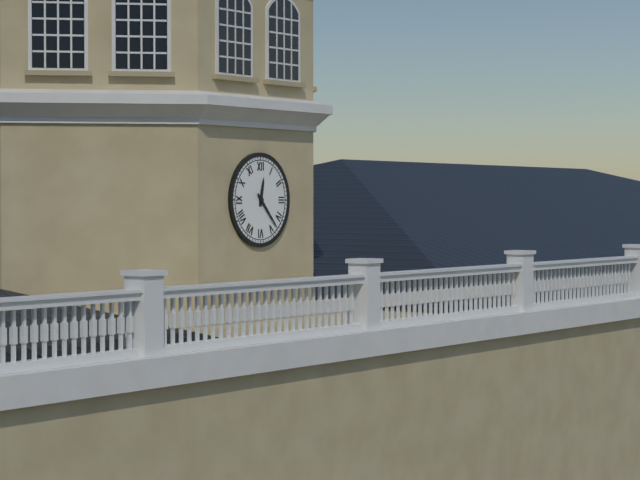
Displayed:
12:23
